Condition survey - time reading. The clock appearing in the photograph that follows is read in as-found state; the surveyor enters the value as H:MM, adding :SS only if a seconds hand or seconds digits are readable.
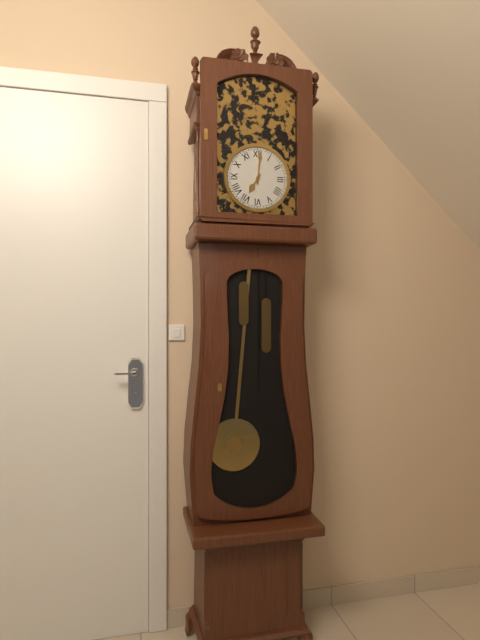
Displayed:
7:01
